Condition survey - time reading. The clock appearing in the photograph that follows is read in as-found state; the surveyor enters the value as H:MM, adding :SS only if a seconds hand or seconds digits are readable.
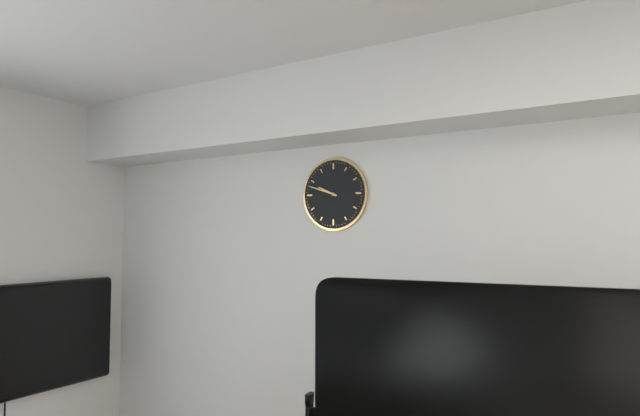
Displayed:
9:48
